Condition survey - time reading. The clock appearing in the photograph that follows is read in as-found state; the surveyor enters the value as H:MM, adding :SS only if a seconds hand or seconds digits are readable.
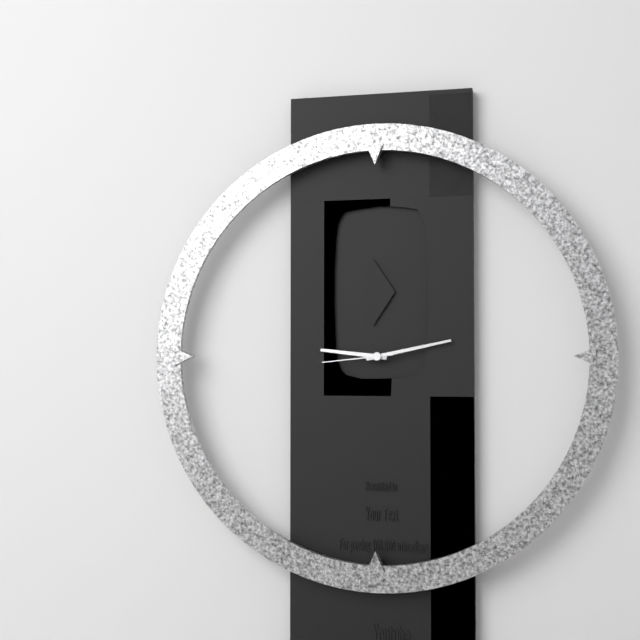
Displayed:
9:13:44
